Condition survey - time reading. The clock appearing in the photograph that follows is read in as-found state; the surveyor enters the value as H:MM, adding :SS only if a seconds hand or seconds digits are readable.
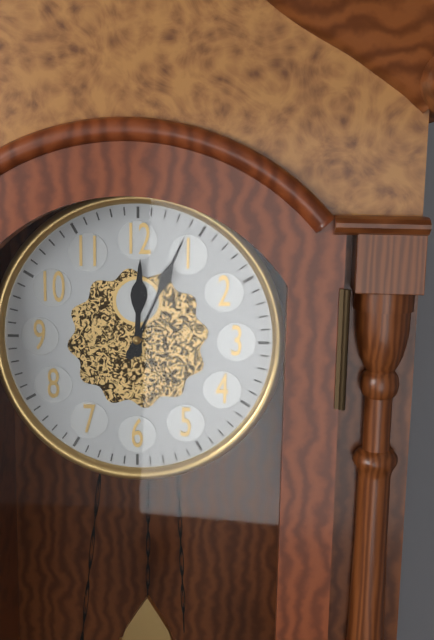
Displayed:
12:04
